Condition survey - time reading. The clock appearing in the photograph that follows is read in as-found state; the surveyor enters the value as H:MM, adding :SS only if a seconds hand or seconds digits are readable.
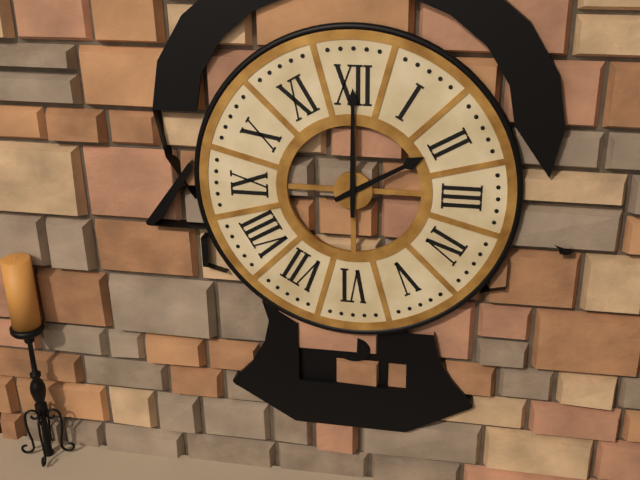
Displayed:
2:00
